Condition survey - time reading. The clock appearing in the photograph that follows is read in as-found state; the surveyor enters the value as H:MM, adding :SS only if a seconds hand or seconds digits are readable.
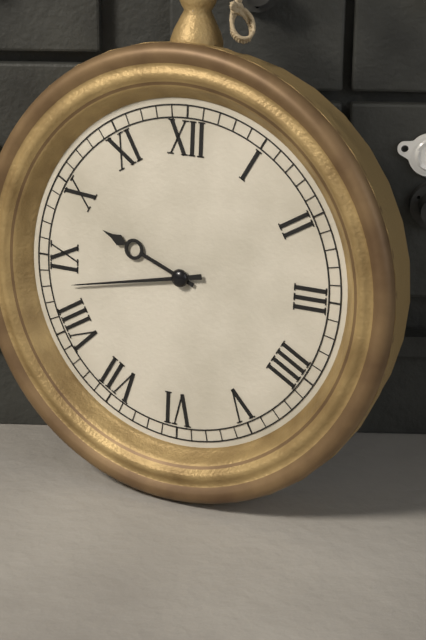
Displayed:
9:43
